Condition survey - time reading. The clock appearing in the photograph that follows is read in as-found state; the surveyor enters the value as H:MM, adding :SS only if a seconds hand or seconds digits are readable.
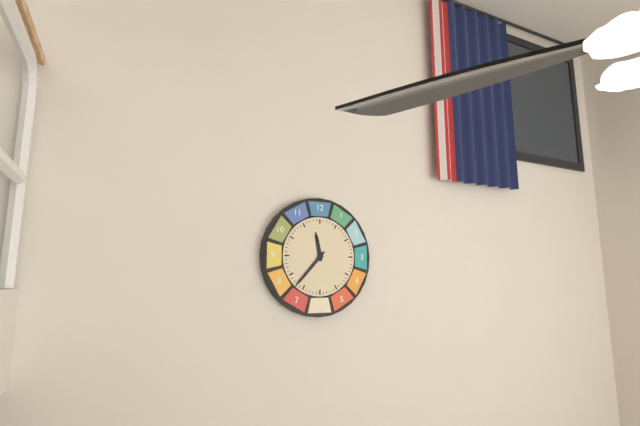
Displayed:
11:37
